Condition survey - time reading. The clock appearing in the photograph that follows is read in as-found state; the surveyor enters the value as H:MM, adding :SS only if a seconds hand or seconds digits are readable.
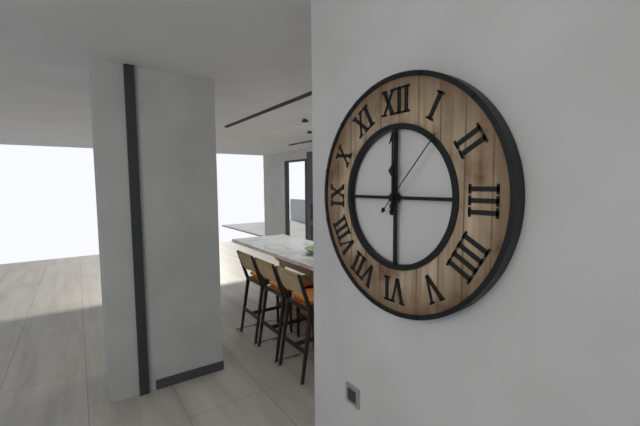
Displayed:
12:00:07
